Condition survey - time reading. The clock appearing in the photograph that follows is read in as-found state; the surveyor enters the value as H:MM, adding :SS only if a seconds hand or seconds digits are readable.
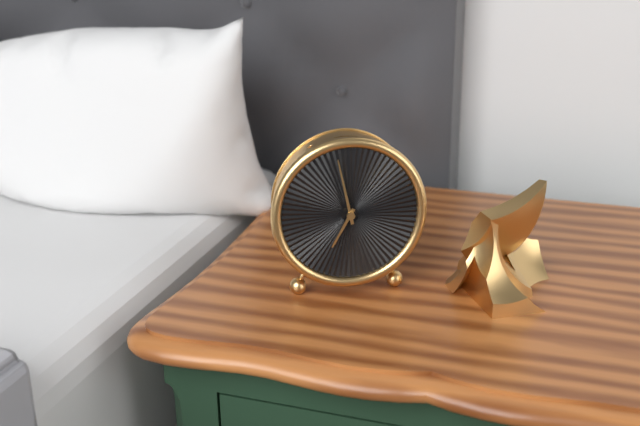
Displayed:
6:58
